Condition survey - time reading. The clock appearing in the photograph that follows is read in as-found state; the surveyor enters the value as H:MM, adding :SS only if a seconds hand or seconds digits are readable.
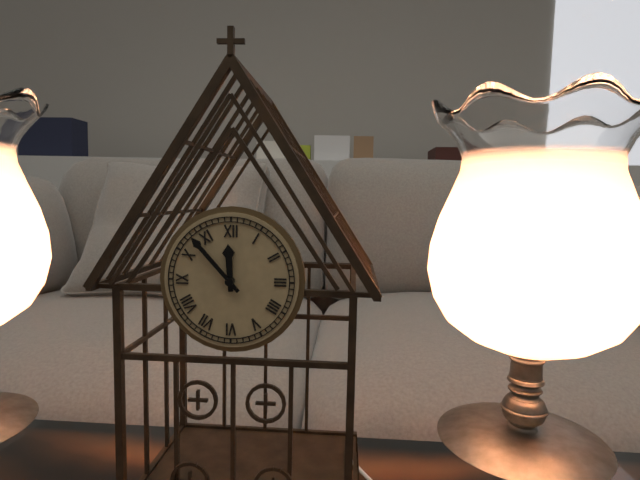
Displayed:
11:53
